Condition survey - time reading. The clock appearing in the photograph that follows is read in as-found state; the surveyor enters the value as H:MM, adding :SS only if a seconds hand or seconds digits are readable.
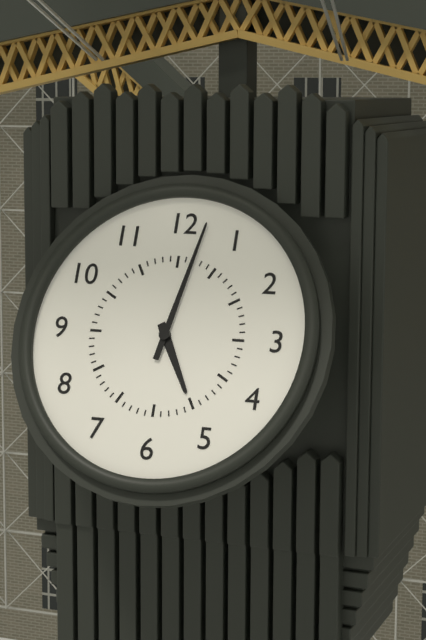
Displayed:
5:02
